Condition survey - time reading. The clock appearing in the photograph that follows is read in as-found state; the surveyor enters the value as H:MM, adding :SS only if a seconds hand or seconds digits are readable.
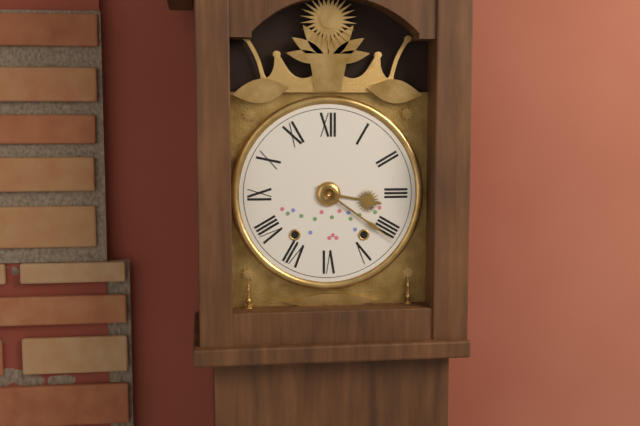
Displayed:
3:21
